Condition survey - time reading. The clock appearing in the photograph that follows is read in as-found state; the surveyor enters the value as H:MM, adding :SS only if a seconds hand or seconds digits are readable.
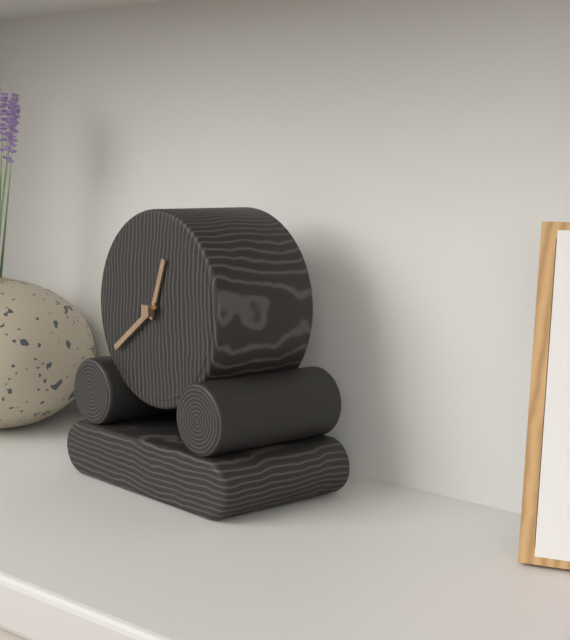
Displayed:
12:39
